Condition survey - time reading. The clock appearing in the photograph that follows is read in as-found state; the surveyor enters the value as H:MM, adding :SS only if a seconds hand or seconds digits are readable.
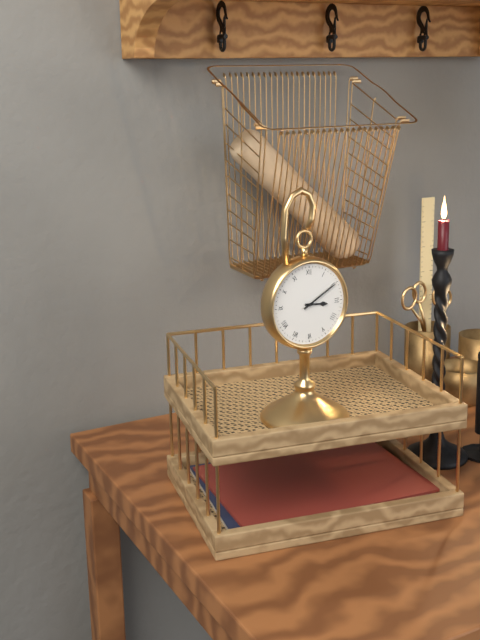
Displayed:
3:10
